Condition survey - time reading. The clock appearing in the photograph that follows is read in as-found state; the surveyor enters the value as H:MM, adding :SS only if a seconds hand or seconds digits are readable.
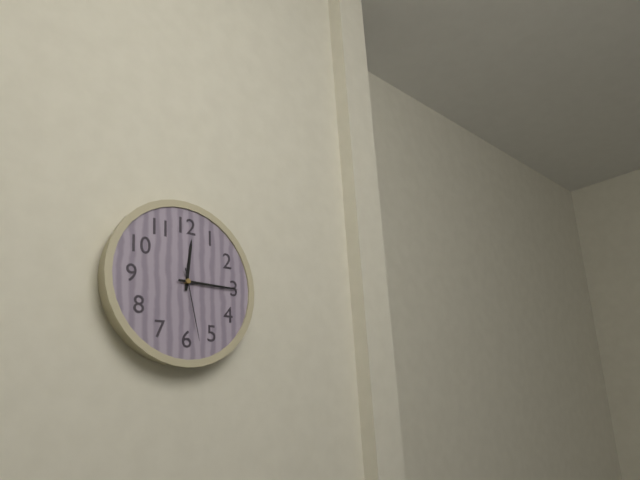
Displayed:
12:15:28
